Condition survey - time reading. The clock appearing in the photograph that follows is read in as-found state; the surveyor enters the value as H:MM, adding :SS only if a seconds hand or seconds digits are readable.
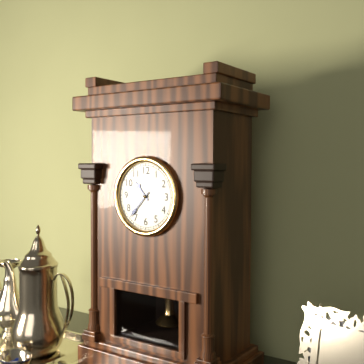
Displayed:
10:37
